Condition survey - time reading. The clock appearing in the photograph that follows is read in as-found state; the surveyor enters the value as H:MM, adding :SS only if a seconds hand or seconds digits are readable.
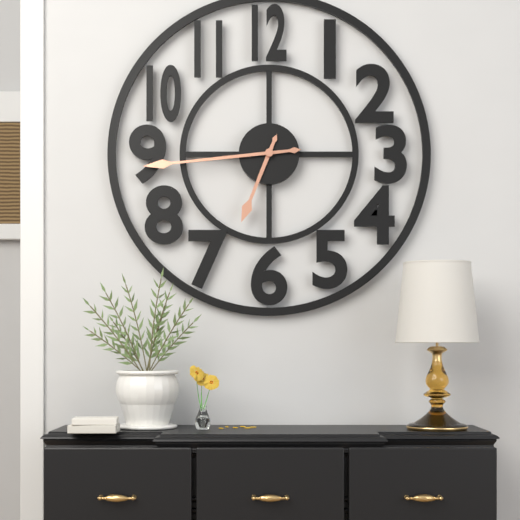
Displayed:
6:44
